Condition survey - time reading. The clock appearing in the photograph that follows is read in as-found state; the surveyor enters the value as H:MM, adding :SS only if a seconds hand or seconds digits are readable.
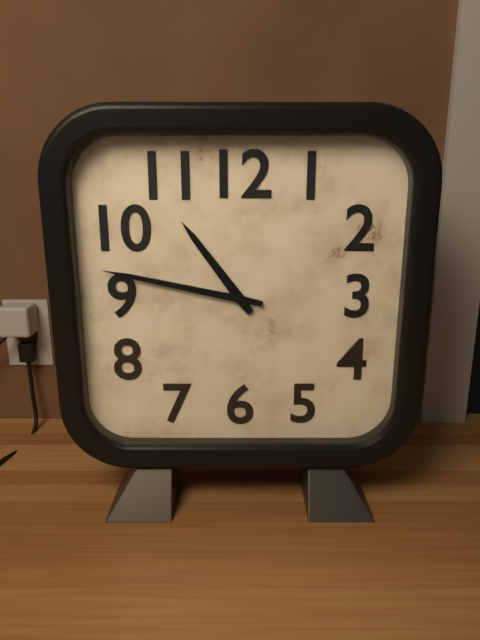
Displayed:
10:47
